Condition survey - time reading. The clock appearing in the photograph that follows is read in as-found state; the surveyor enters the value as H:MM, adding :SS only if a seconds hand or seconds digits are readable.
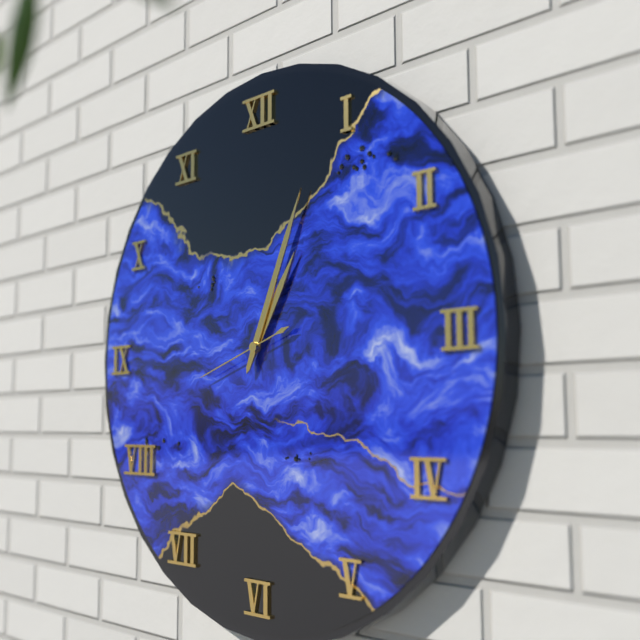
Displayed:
1:04:42
